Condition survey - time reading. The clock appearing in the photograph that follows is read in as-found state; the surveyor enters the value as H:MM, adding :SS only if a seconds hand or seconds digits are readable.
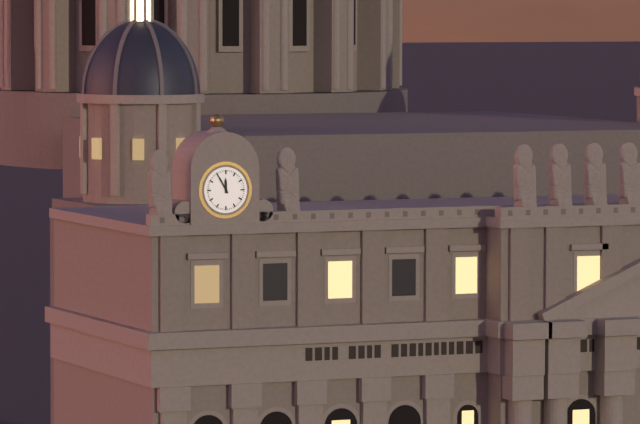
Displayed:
11:55
